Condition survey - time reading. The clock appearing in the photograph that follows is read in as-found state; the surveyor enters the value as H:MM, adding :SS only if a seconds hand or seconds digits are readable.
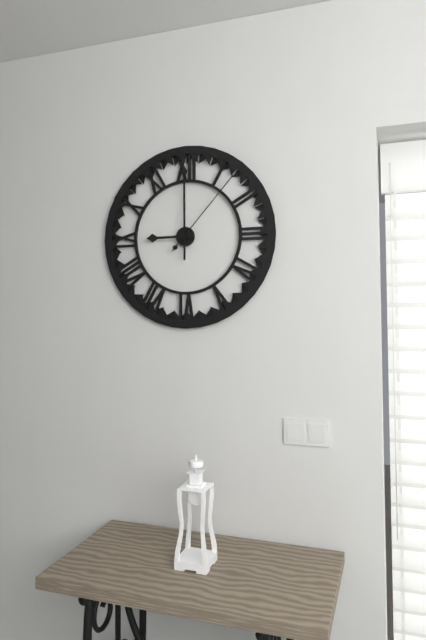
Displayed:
9:00:07
